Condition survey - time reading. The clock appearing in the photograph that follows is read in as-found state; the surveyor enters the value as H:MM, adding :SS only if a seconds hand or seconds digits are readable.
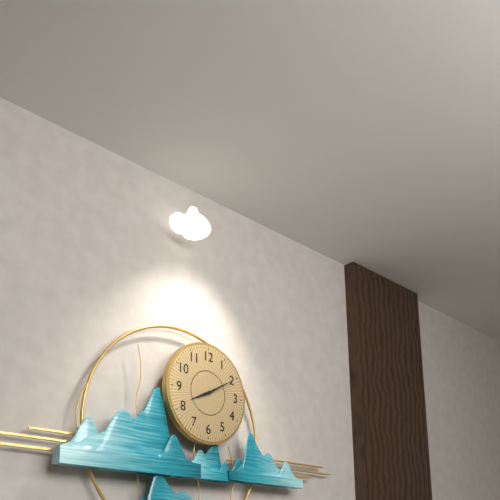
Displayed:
8:10
